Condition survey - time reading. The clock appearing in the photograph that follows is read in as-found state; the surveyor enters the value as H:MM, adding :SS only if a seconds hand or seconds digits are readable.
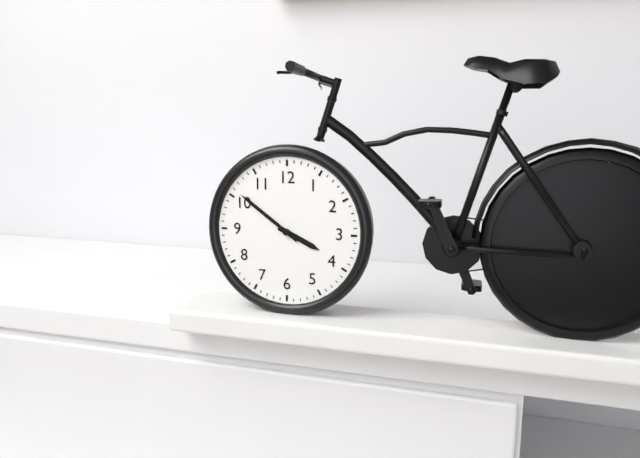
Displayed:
3:51
